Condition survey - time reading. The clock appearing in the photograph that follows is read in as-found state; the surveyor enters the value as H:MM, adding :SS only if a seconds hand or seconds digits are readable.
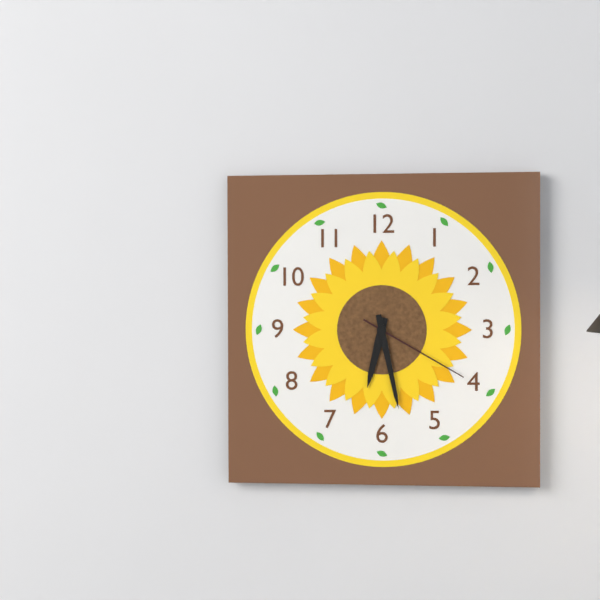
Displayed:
6:28:20
